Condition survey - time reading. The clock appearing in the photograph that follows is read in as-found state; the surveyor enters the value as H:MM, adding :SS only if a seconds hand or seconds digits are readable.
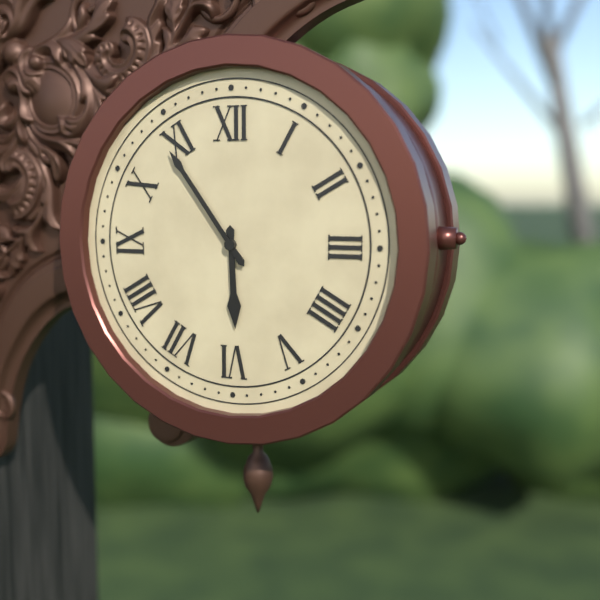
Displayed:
5:54
